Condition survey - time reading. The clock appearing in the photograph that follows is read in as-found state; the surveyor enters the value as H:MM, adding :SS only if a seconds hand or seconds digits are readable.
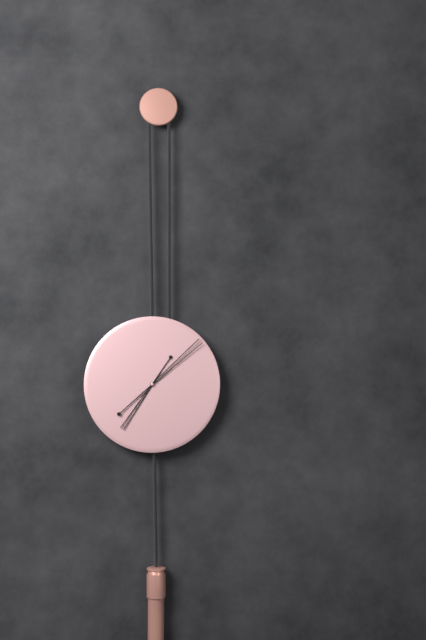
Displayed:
7:08
